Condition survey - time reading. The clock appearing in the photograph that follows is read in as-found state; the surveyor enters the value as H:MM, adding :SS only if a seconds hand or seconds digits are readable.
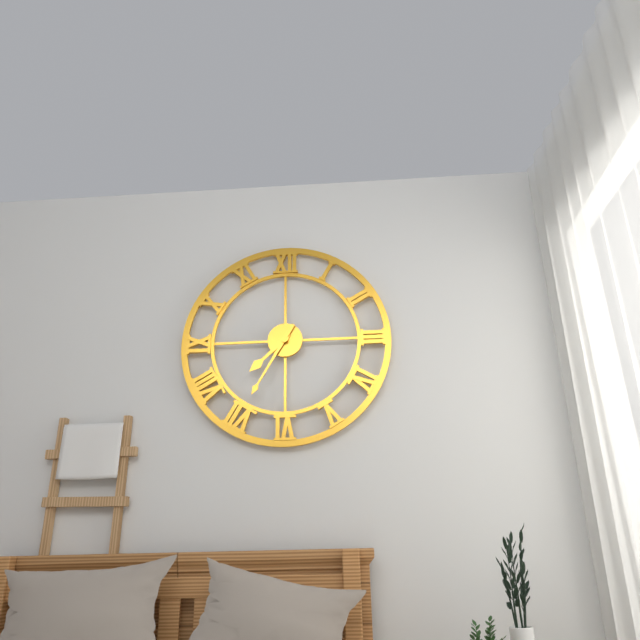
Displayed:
7:35
